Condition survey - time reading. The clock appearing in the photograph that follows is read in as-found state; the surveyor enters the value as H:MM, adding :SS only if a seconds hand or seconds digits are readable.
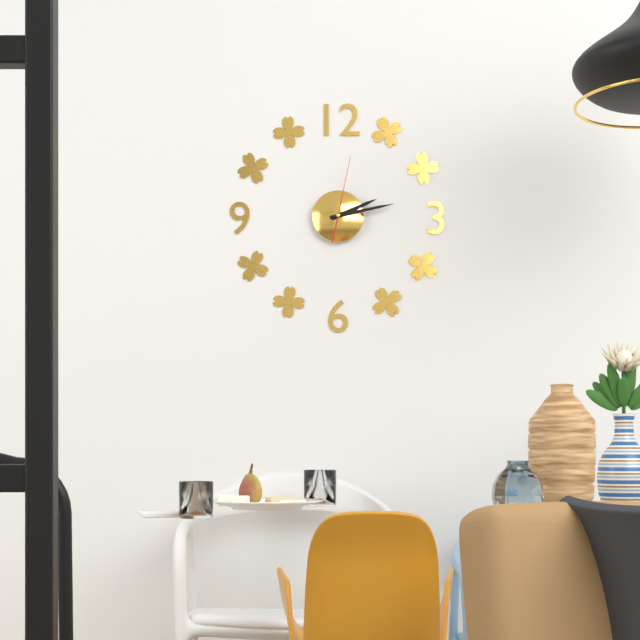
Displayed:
2:13:02
